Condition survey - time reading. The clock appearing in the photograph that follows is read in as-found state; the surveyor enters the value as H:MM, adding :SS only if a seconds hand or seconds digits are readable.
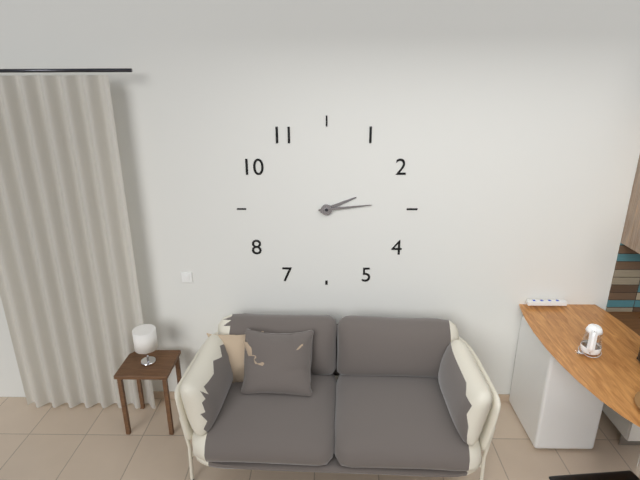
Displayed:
2:14
